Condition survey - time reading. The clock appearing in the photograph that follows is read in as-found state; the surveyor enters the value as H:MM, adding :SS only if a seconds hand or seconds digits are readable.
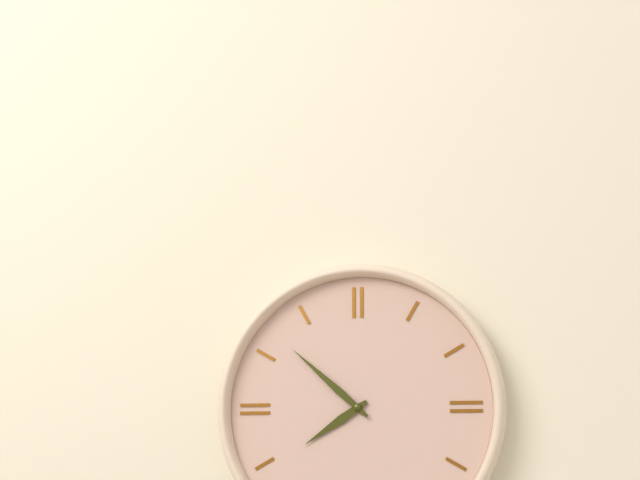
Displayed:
7:52
